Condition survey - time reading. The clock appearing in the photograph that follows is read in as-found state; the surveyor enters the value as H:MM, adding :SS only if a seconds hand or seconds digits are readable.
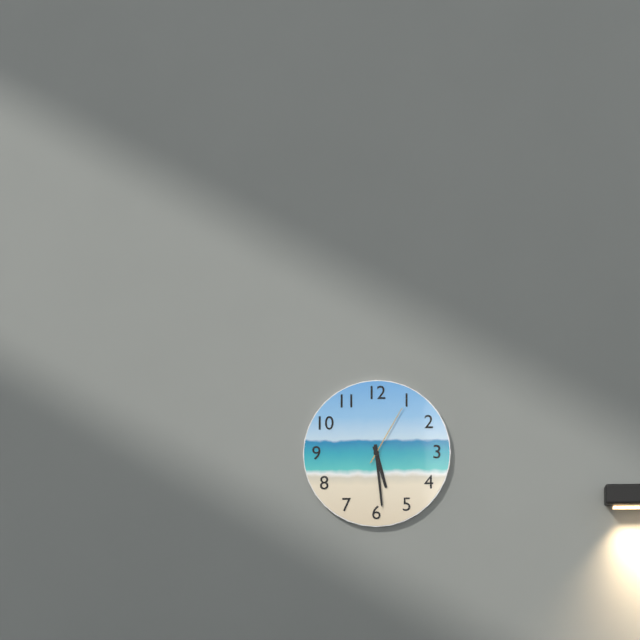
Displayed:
5:29:05
